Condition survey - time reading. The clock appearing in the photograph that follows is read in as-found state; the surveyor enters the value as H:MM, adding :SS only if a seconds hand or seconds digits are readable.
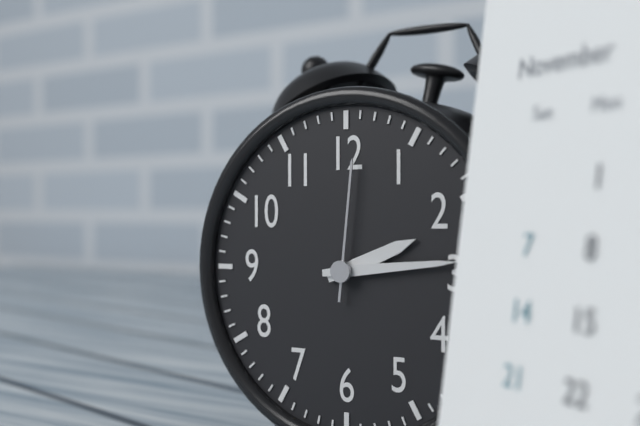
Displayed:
2:14:01
